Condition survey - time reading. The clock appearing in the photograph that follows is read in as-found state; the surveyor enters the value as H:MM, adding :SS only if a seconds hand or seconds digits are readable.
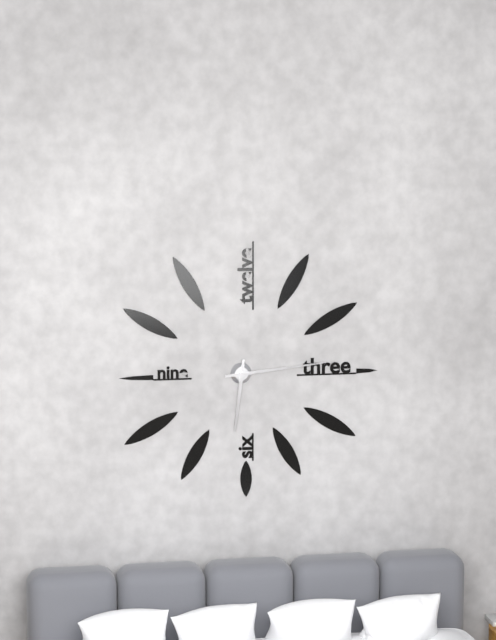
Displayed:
6:14
